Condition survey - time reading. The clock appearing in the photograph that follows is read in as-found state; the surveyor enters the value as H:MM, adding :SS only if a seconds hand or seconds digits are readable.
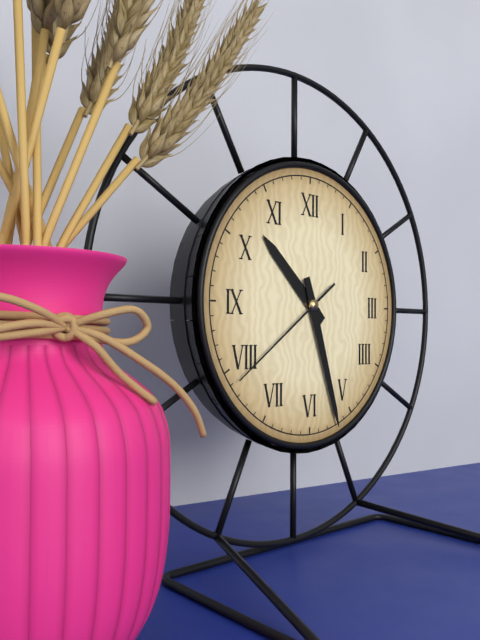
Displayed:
10:27:39
